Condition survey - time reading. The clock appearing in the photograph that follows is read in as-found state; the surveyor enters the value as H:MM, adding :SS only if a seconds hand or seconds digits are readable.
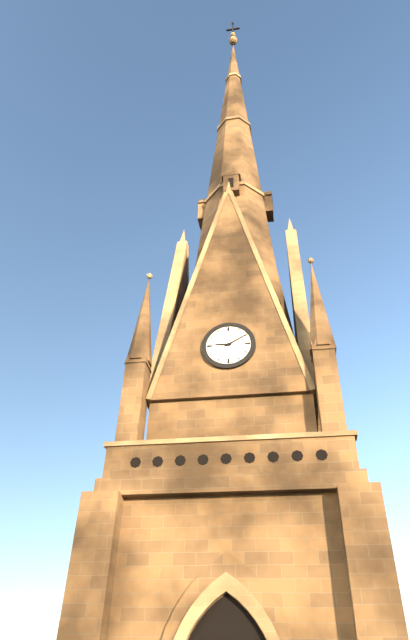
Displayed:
9:10
